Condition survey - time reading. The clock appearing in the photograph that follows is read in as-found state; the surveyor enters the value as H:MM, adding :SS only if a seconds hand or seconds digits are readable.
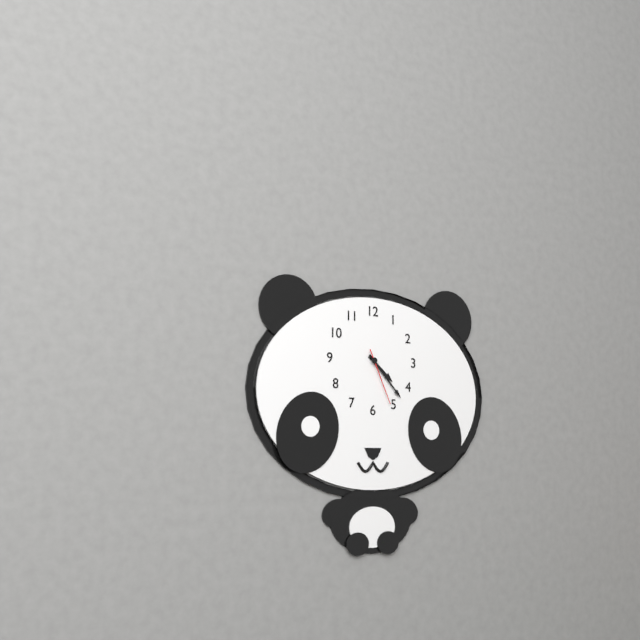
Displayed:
4:23:26
